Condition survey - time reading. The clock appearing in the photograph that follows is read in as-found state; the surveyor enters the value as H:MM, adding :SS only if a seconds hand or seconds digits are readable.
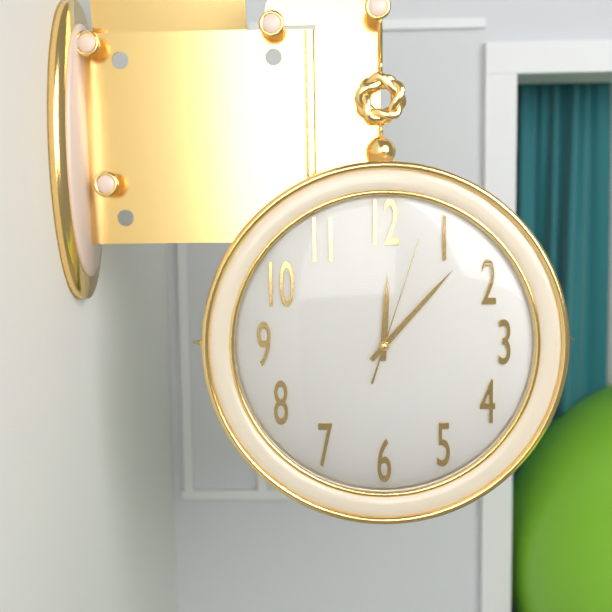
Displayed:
12:07:03
